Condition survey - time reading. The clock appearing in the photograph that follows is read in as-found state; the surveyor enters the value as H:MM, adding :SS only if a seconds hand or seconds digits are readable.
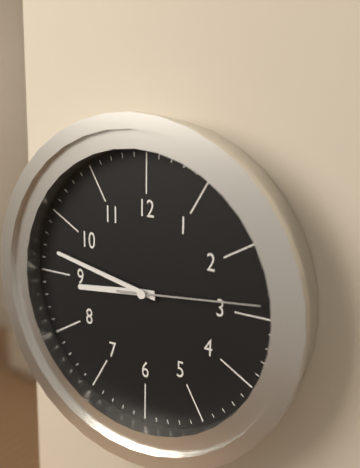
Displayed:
8:47:14
